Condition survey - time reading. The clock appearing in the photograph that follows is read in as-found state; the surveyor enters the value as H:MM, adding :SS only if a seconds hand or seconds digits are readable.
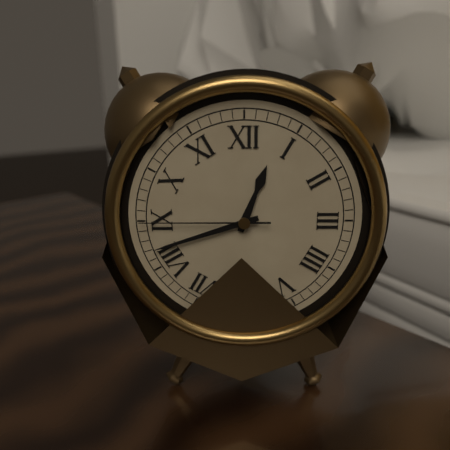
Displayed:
12:42:45
